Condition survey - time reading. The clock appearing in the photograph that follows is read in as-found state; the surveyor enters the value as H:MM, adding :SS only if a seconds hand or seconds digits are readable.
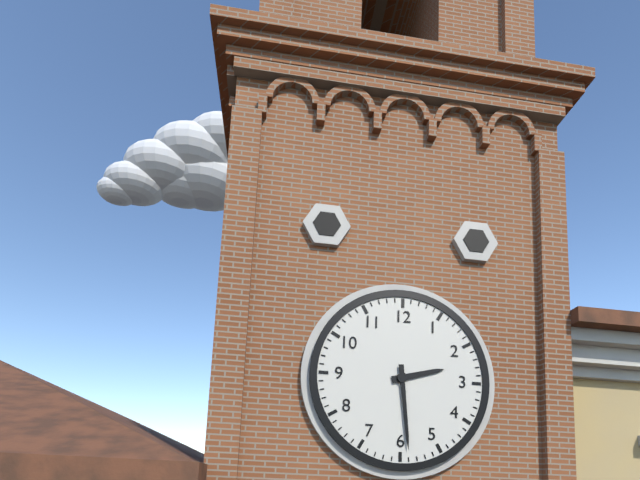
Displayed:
2:29
